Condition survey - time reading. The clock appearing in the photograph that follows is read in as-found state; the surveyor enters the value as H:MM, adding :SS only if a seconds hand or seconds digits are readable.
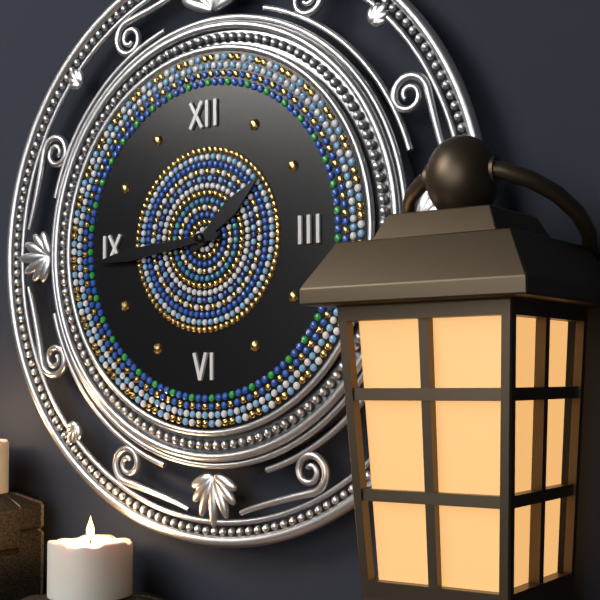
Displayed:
1:44
